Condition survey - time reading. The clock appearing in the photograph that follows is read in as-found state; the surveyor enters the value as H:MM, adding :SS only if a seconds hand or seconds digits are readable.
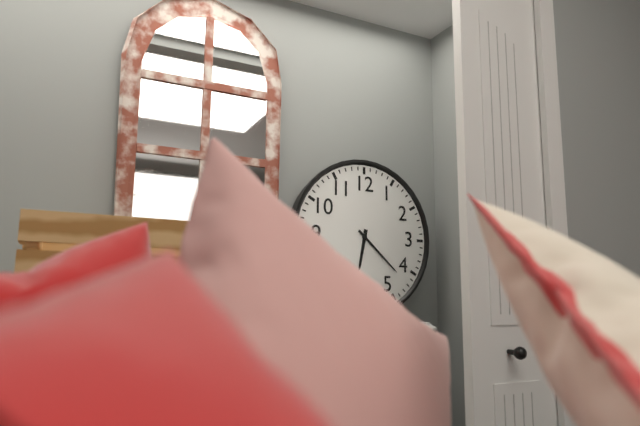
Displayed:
6:22
